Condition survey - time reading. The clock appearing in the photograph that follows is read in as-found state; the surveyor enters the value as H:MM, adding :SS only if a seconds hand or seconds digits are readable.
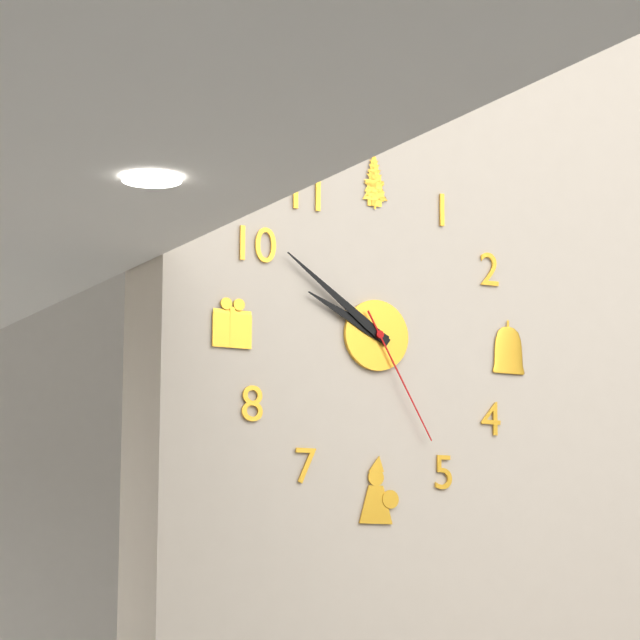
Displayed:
9:51:25
